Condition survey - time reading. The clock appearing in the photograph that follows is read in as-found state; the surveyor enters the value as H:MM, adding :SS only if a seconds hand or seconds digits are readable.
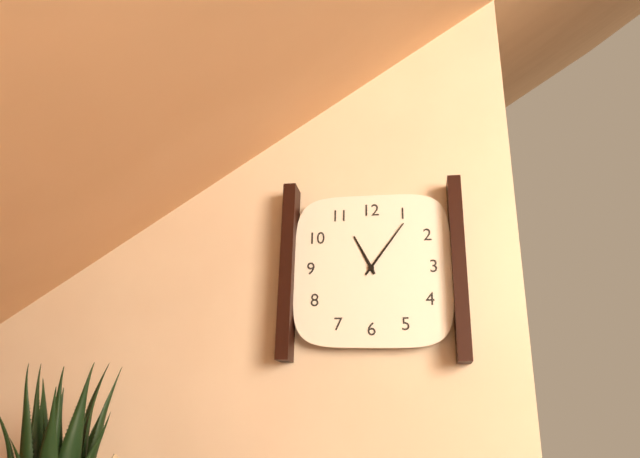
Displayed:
11:06
